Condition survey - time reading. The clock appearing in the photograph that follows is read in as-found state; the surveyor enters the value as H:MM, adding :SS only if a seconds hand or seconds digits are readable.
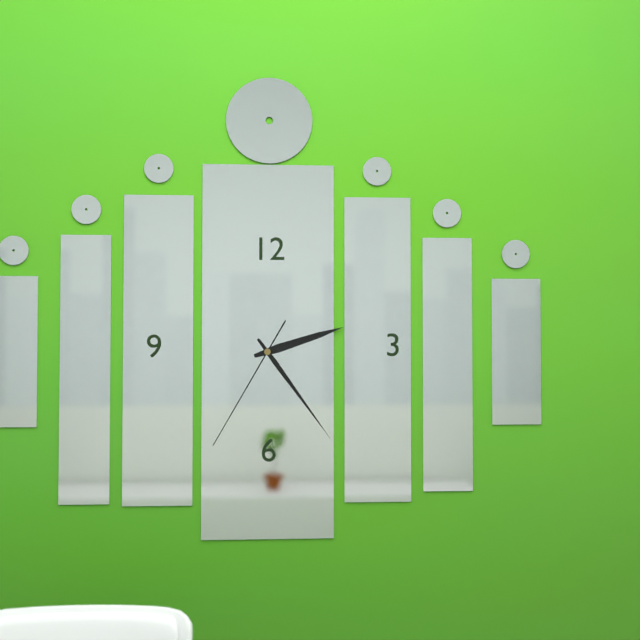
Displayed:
2:24:35
